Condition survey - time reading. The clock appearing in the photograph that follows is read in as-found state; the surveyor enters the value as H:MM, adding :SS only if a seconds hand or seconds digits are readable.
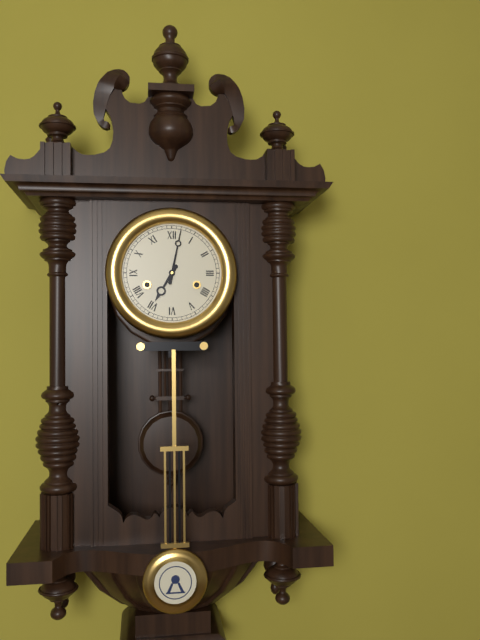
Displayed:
7:02
